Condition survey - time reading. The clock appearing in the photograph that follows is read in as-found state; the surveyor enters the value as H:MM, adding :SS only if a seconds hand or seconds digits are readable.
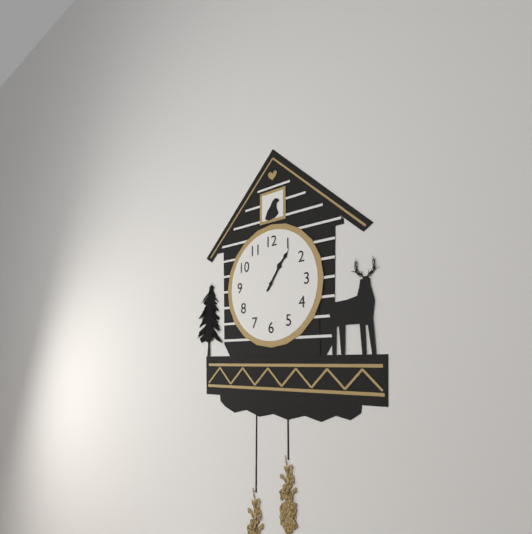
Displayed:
1:06
